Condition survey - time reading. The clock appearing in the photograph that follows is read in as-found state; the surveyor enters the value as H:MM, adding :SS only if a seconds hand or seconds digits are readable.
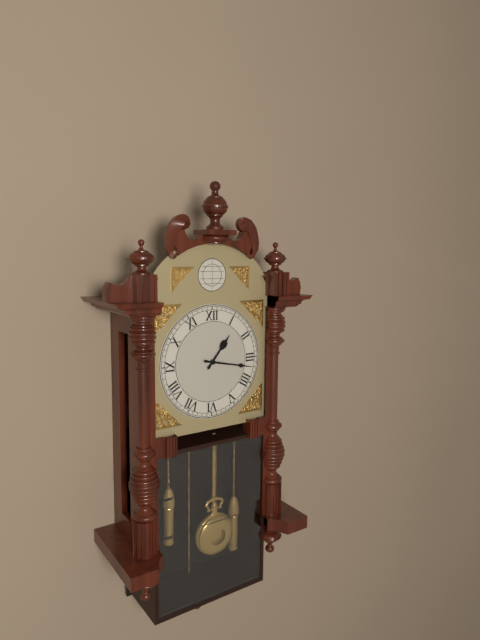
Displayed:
1:17
